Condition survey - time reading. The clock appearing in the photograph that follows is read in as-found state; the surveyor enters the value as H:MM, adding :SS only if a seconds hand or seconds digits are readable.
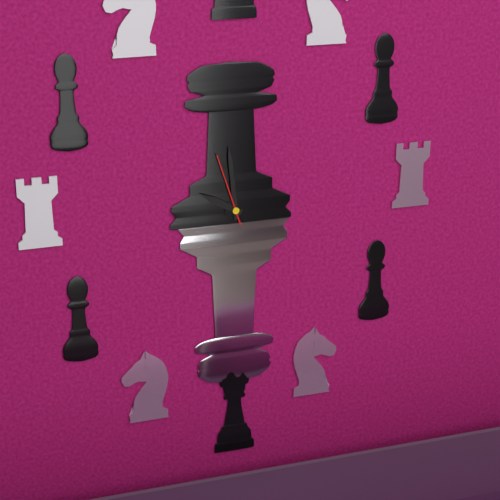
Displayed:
9:59:57
